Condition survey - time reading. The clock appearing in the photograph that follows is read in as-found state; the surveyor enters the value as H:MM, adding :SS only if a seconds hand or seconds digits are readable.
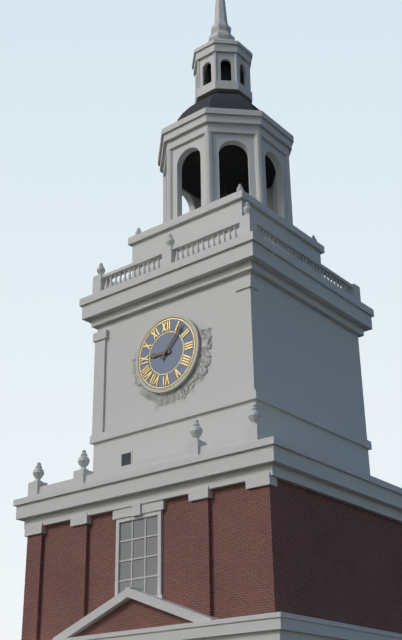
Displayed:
9:07
